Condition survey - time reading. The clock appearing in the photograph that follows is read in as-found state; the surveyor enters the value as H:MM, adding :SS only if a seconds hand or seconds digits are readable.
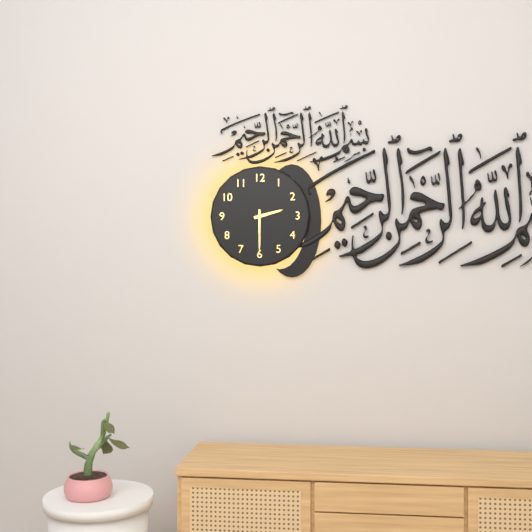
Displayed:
2:30
